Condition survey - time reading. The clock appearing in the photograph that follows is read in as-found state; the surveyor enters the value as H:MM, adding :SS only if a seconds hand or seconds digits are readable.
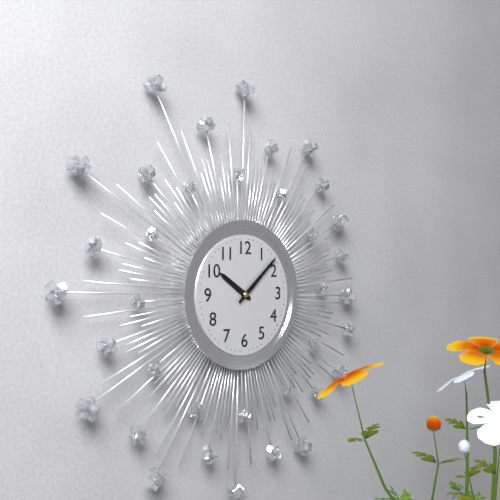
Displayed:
10:08
